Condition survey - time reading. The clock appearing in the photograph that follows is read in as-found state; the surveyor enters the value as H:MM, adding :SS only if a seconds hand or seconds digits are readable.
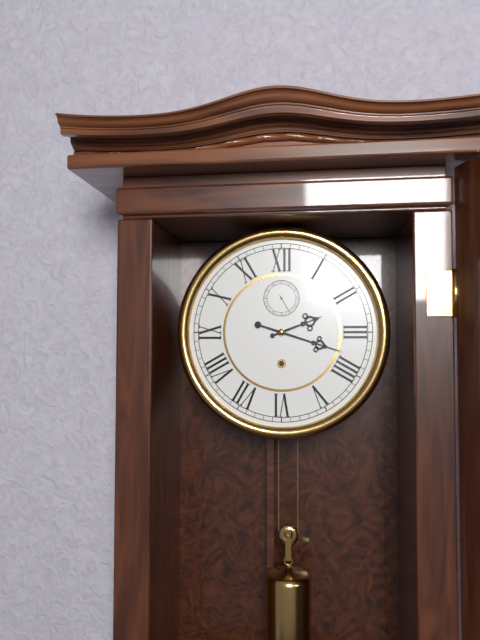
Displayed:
2:18
